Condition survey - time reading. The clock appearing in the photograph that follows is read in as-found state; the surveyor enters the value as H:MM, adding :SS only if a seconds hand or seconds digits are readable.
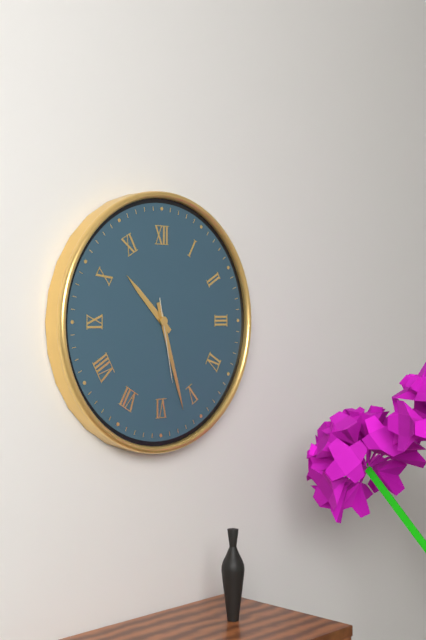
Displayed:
10:27:28
